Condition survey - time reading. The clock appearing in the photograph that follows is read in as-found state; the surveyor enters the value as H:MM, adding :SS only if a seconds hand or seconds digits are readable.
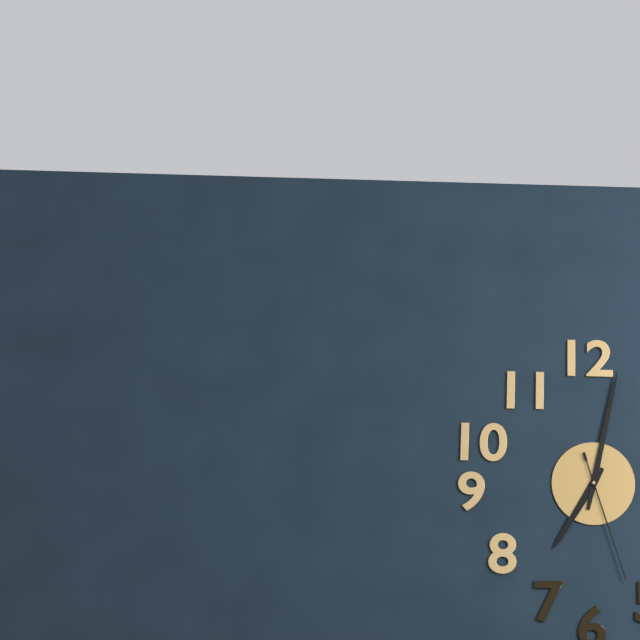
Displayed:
7:02:27
